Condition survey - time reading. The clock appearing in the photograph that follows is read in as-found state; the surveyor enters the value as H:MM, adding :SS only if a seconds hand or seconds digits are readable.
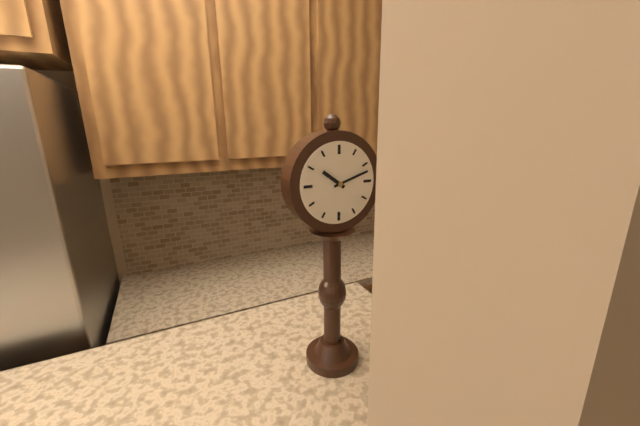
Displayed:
10:12
